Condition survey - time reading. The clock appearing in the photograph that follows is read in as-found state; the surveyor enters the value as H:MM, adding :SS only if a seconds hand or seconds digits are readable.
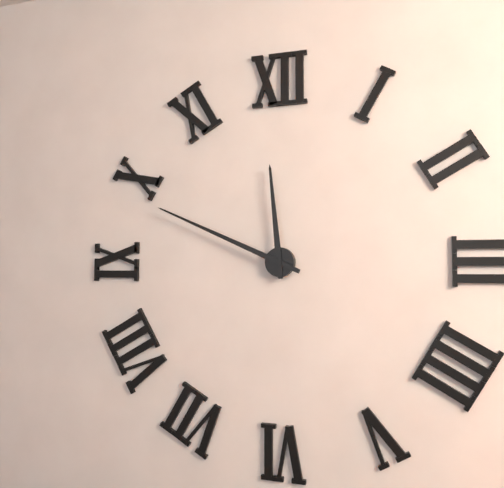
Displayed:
11:49
